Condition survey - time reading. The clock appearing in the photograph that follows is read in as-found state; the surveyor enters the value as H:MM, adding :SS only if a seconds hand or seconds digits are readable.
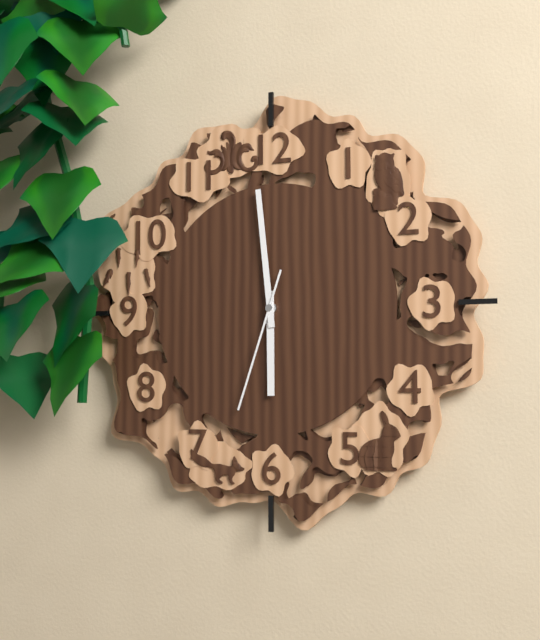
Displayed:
5:59:33
